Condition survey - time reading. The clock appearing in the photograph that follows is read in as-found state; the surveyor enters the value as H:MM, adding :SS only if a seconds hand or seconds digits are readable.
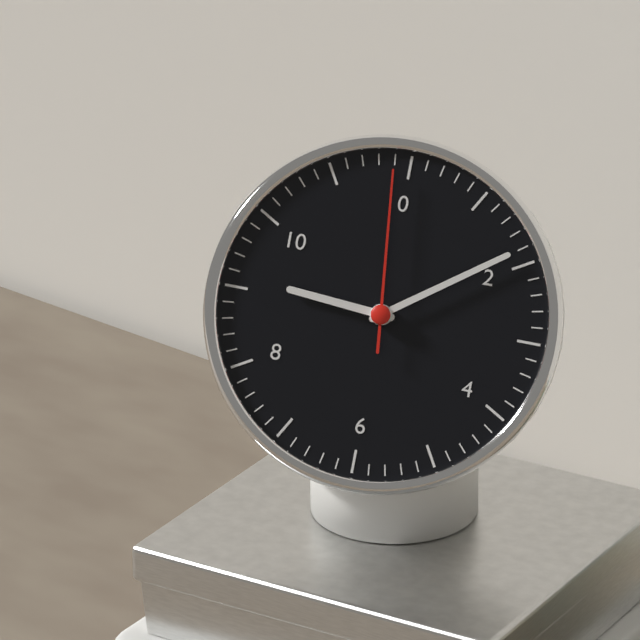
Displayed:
9:09:59
